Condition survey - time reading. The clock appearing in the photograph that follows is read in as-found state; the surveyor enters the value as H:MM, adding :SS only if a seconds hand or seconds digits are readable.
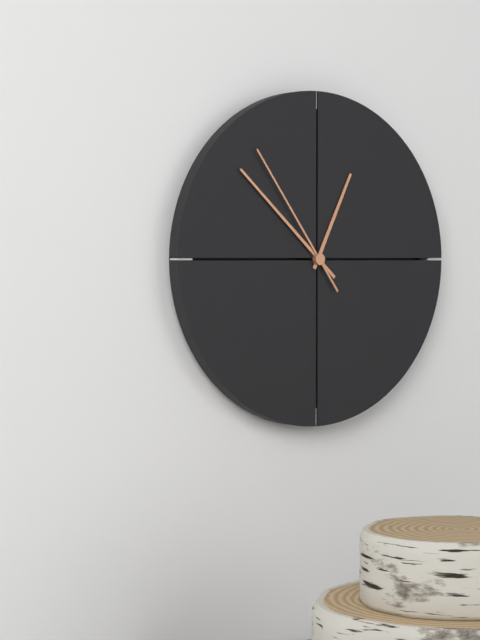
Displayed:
12:52:54
